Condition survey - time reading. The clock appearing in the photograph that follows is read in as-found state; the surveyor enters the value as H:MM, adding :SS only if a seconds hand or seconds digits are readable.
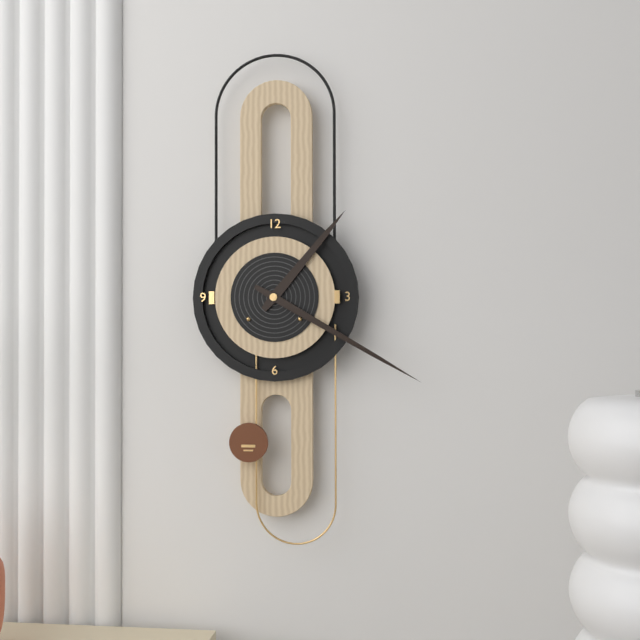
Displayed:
1:20
